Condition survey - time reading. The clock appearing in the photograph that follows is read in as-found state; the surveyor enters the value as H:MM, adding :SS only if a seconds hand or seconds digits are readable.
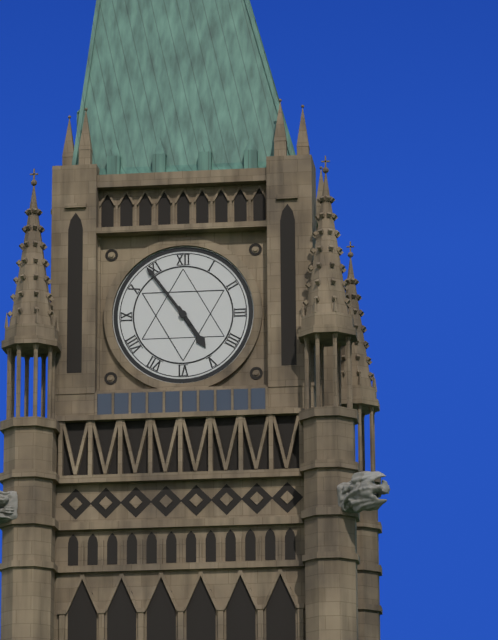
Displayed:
4:54
